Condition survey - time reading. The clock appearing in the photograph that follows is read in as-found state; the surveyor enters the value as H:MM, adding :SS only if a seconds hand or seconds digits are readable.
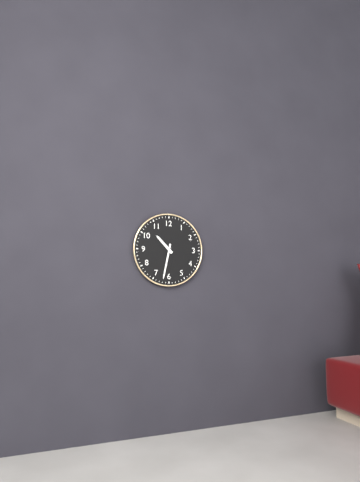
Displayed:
10:32
